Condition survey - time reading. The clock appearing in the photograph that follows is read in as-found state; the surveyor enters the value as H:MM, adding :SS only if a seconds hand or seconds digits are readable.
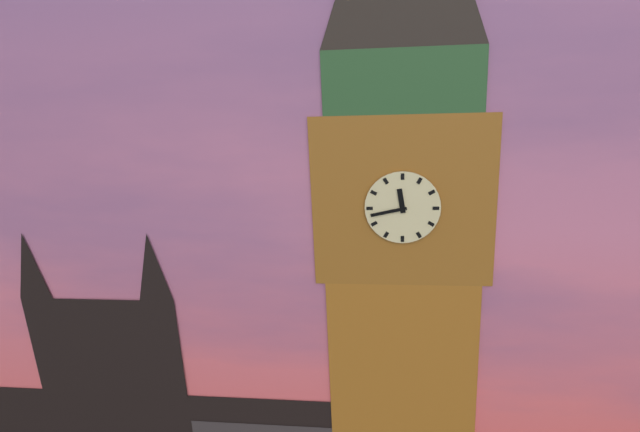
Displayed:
11:43
